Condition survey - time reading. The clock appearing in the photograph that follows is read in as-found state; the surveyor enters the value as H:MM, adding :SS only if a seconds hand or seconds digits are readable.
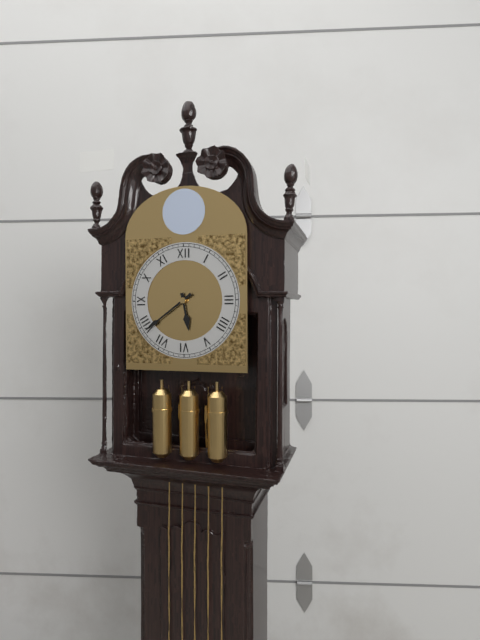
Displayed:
5:39
